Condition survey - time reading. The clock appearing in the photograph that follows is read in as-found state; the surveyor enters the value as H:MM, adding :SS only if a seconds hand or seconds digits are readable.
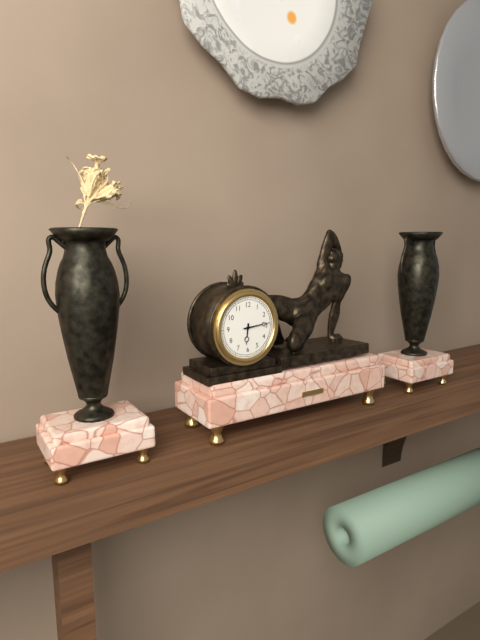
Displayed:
6:14
